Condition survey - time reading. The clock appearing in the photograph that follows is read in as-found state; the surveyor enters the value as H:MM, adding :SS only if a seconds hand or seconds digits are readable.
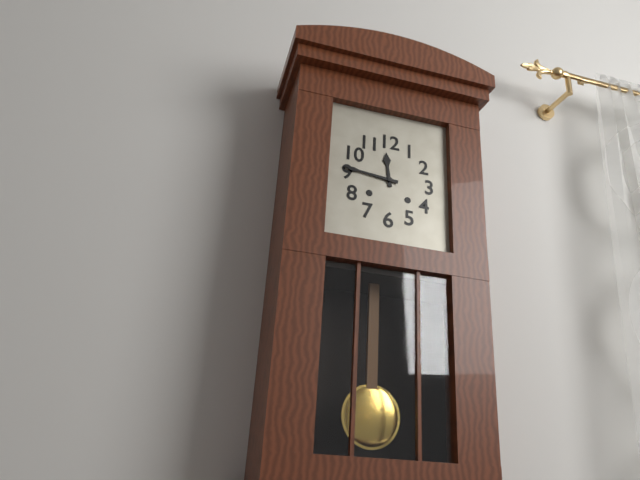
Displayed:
11:46
